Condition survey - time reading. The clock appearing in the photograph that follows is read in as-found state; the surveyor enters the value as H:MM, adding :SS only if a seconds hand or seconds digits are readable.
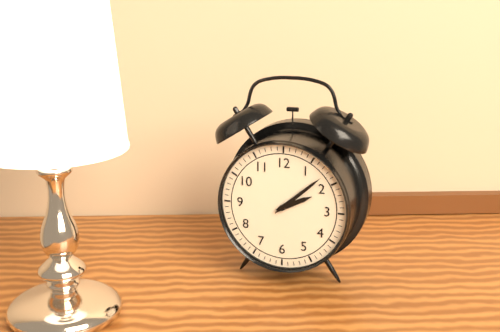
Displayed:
2:08
